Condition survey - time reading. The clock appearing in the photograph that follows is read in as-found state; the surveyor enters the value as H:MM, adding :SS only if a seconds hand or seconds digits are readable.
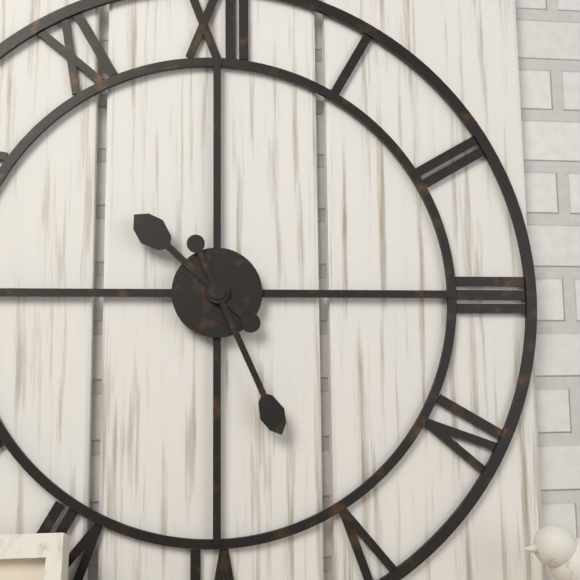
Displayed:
10:26
